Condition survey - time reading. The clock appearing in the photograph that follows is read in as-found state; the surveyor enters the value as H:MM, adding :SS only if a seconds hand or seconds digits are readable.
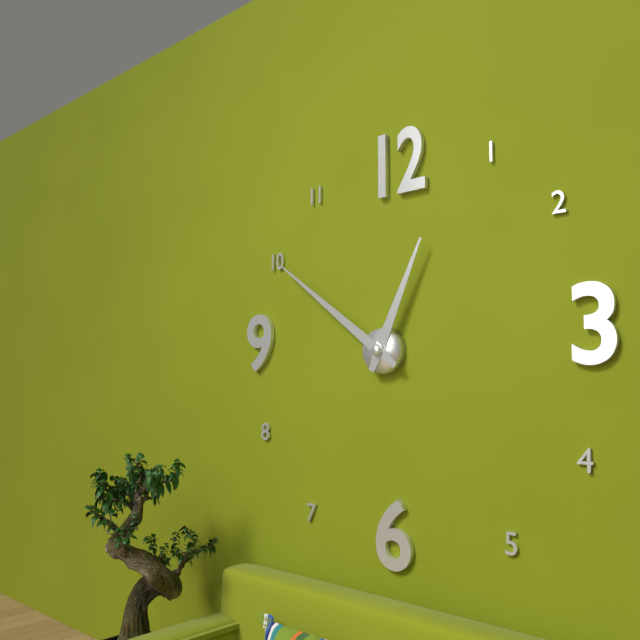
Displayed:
12:51
